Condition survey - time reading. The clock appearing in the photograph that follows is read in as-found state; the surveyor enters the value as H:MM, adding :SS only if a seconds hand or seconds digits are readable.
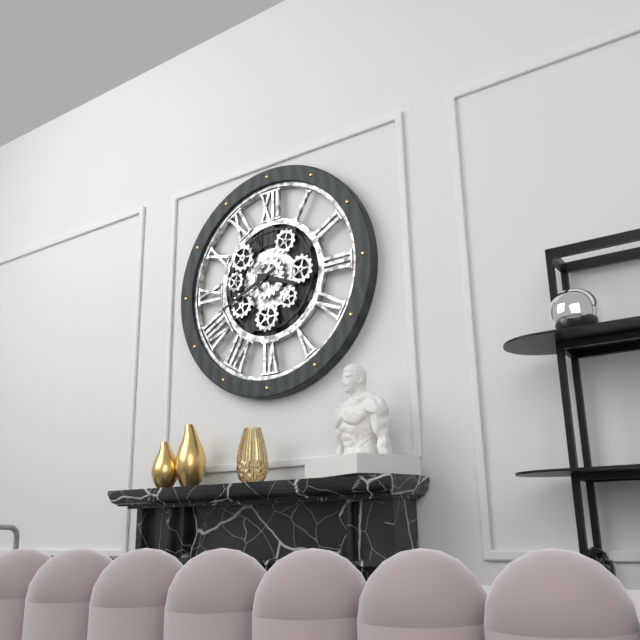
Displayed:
3:41
